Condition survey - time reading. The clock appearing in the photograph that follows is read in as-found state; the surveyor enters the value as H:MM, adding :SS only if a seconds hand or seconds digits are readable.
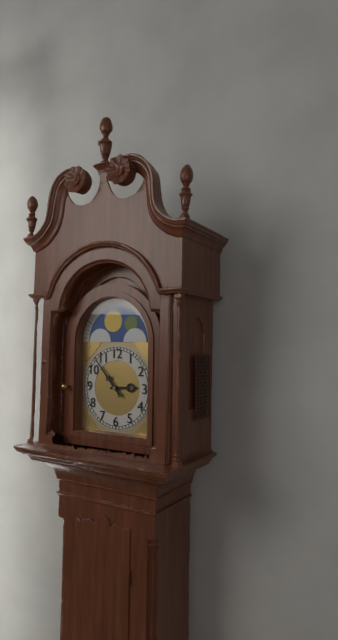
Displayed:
2:53
